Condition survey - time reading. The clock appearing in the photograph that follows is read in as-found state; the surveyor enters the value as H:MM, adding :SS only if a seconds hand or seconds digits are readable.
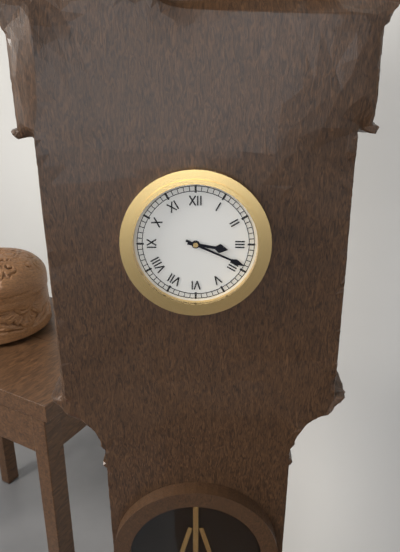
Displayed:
3:19
